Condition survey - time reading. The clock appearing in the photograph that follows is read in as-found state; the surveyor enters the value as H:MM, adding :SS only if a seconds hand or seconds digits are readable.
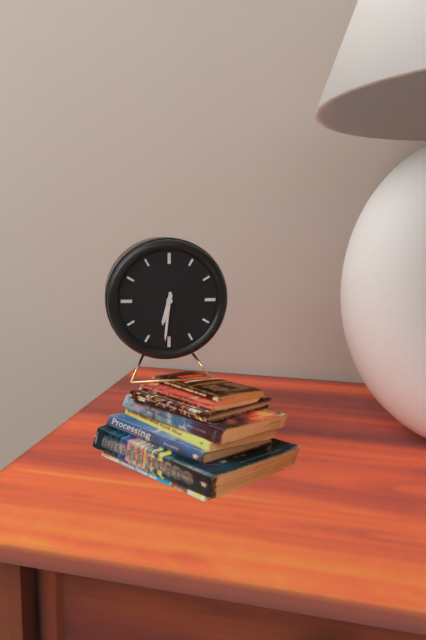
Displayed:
6:31
